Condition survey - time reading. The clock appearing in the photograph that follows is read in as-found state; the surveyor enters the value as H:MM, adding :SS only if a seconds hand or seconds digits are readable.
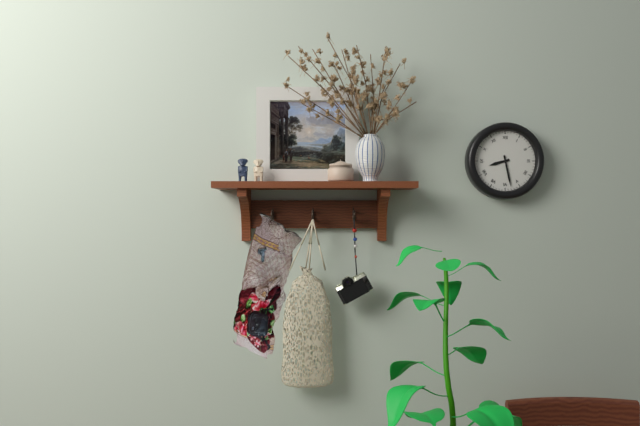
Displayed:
8:28
